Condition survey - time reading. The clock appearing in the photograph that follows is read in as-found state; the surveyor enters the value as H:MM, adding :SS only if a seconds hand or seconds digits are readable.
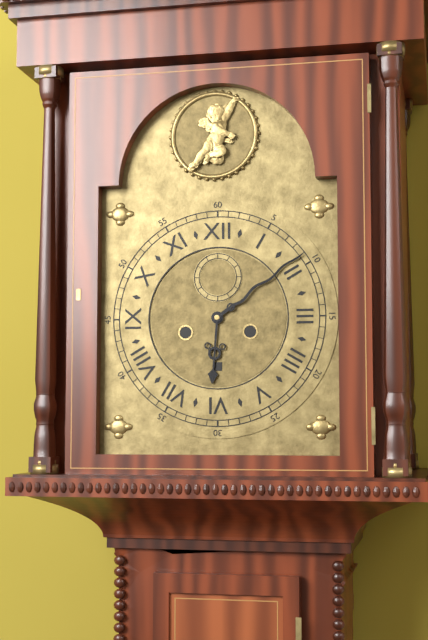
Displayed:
6:09
